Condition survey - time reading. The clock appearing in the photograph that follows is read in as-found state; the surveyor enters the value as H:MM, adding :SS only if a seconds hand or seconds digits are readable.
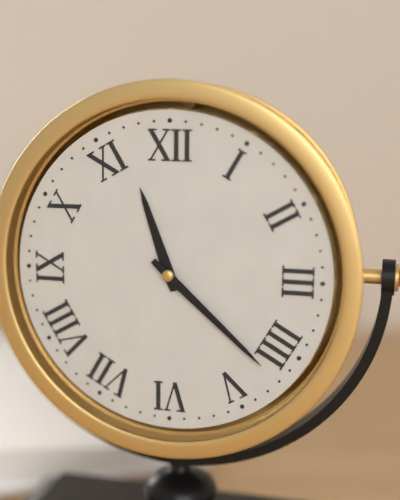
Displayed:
11:22
